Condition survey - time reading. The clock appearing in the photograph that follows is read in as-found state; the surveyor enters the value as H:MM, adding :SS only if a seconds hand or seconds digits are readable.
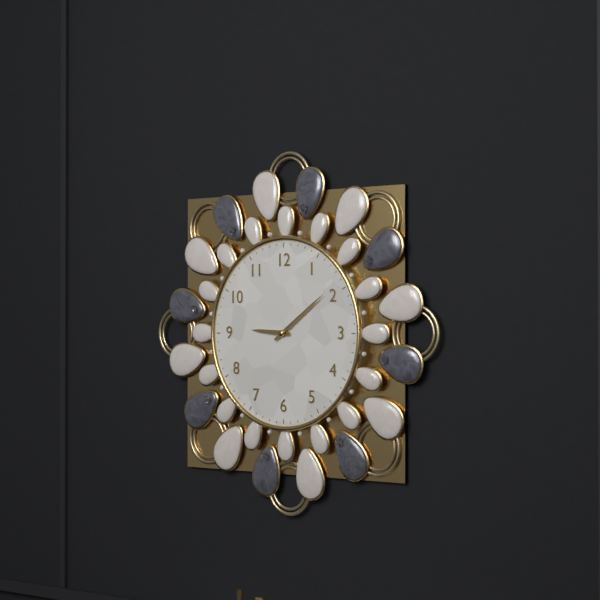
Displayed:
9:09
